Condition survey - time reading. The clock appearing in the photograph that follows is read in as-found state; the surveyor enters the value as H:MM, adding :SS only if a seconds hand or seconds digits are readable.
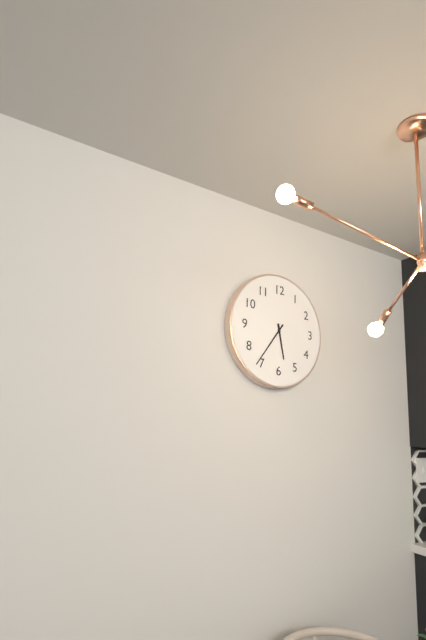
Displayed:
5:36
